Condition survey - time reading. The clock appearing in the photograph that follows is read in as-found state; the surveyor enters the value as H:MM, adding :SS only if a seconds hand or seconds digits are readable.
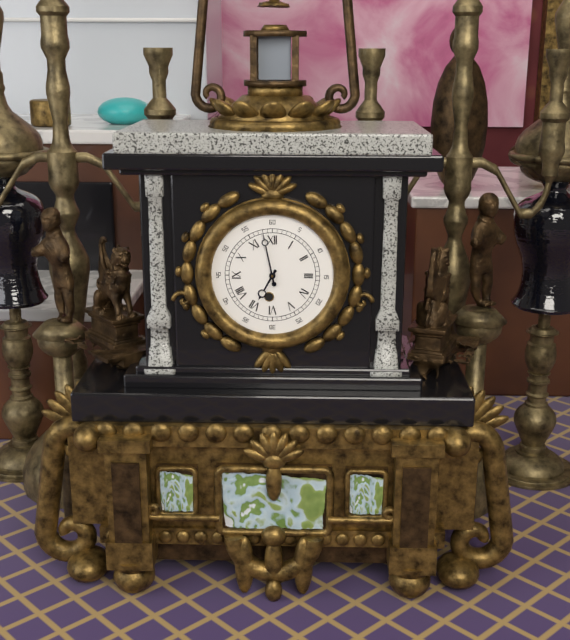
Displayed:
6:58
